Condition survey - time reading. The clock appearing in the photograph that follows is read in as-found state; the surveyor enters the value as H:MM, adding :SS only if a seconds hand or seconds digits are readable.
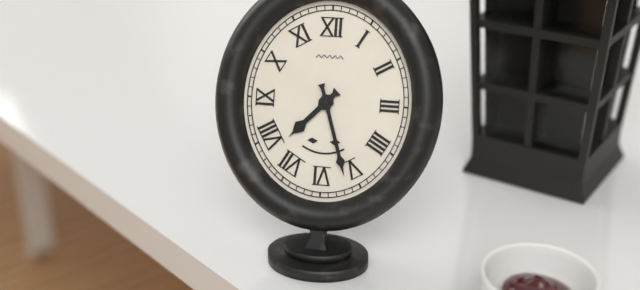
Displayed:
7:27
